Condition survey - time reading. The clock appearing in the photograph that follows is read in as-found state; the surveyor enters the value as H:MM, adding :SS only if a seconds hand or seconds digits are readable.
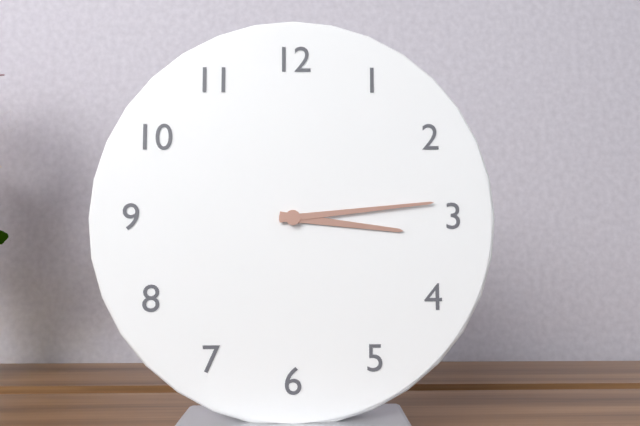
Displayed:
3:14
